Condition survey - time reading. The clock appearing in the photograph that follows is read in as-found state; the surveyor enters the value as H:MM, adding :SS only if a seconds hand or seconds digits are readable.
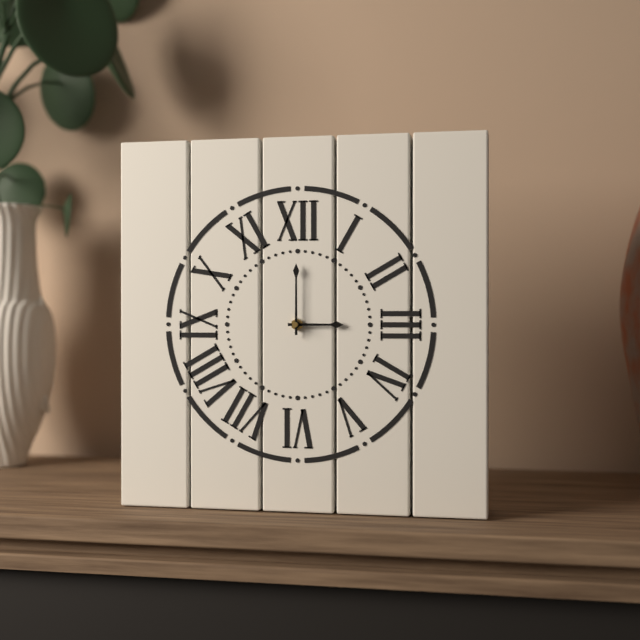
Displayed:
3:00
